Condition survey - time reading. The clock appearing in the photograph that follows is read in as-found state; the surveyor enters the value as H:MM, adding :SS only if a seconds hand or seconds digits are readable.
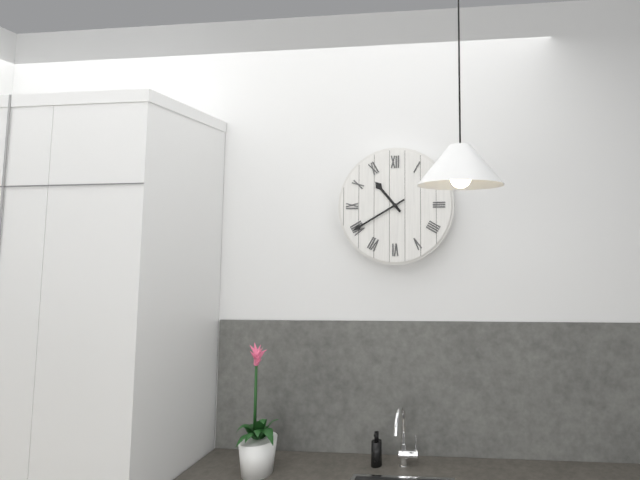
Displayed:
10:40
